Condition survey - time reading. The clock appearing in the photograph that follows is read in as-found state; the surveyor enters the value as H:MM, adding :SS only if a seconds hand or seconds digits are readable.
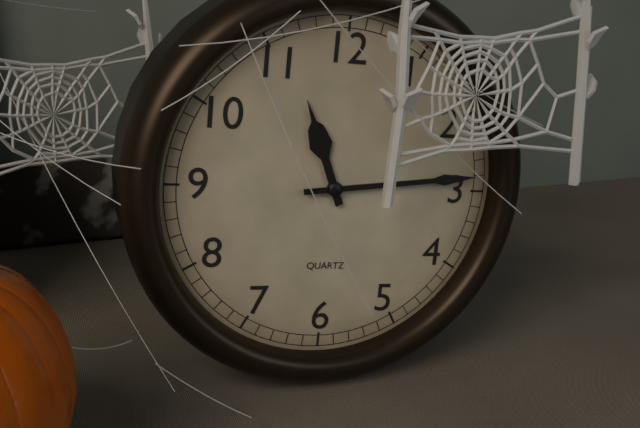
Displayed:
11:14
